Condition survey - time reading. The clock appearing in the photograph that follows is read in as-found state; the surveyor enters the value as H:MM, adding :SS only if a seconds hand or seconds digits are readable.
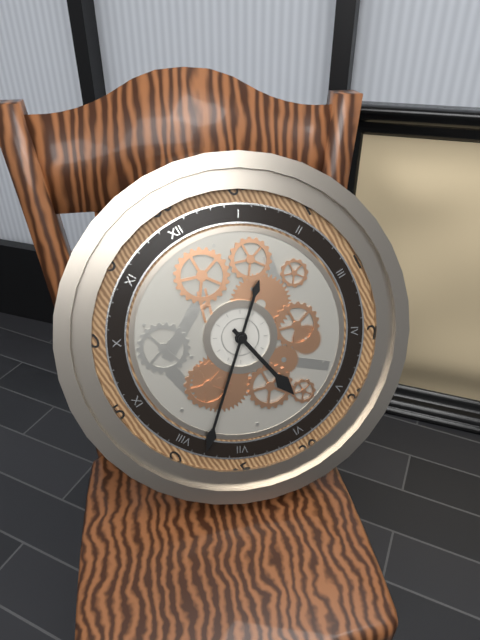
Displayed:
5:38
